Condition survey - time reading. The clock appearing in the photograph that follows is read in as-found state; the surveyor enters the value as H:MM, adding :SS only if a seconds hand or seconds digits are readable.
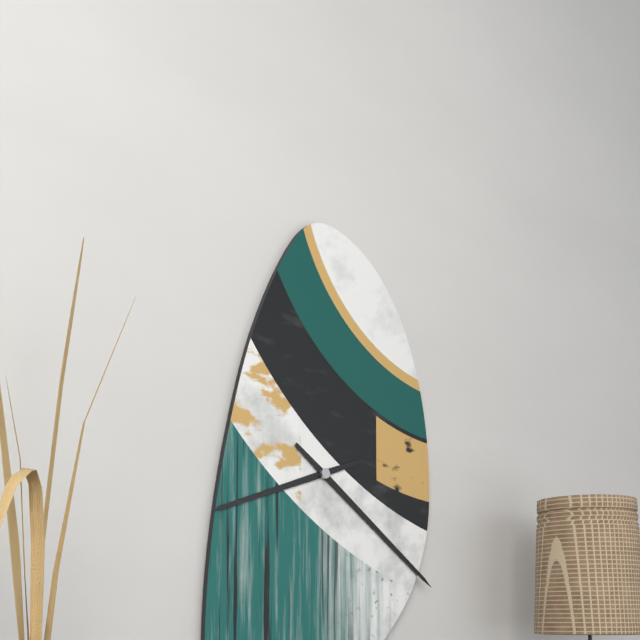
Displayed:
8:21
